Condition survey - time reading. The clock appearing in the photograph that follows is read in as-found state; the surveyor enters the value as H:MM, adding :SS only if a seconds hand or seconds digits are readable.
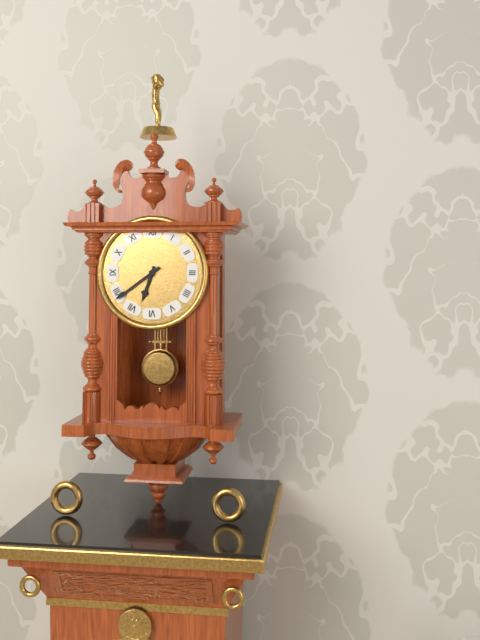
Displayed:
6:39
